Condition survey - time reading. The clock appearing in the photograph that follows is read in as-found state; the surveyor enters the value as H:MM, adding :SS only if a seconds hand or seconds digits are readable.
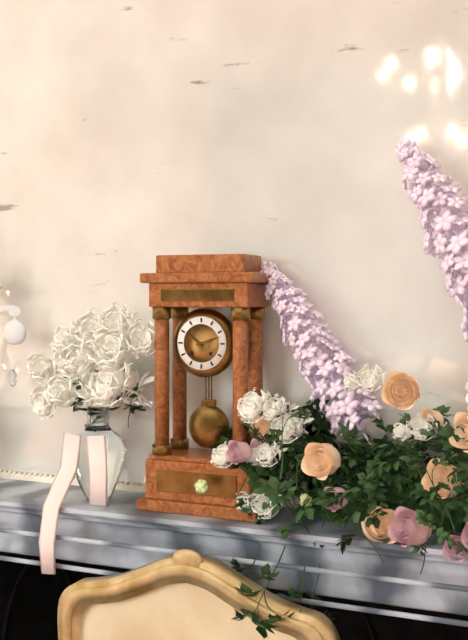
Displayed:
10:12
